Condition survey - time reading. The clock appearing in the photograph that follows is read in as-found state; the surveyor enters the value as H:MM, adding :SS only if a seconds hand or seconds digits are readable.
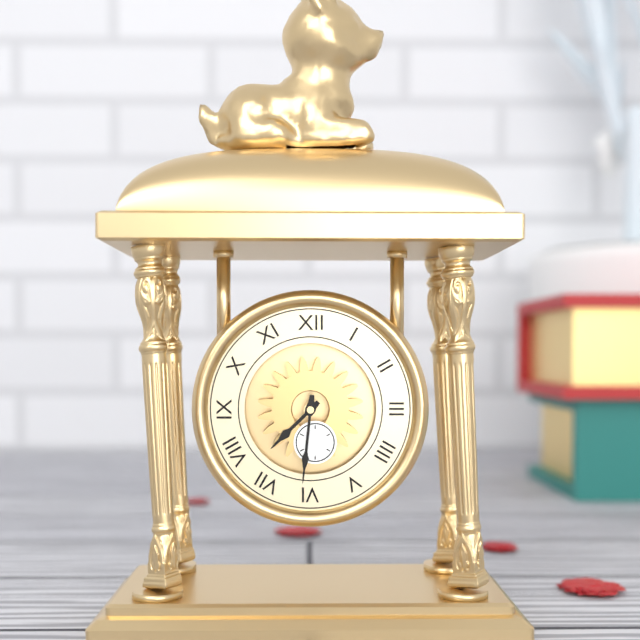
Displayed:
7:31
